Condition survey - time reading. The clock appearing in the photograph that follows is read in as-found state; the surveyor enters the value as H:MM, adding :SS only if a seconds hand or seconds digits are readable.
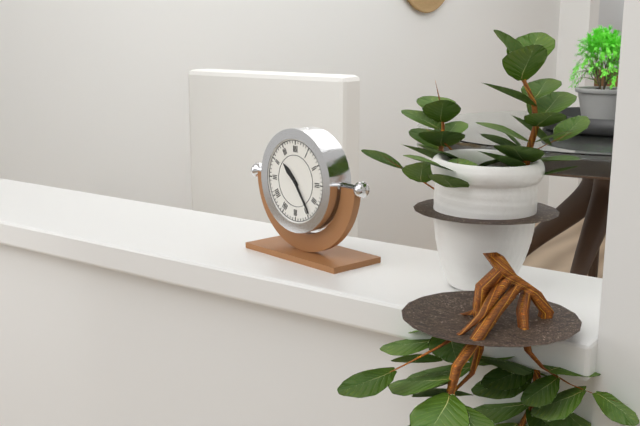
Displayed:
10:24
